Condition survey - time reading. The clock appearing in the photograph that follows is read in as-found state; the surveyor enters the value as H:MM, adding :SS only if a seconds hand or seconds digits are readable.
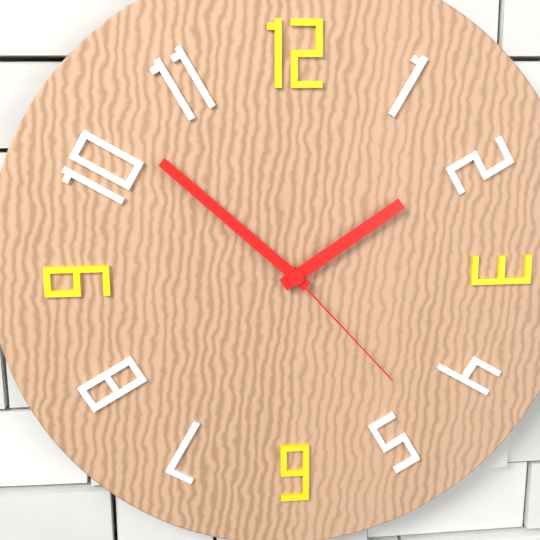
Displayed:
1:52:23
